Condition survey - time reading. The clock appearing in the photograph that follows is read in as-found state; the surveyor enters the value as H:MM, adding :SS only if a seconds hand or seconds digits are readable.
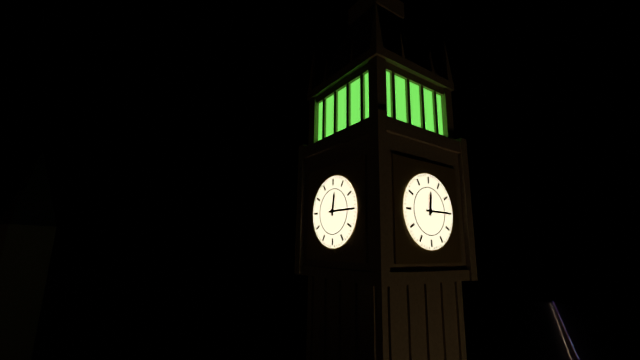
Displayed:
12:15
